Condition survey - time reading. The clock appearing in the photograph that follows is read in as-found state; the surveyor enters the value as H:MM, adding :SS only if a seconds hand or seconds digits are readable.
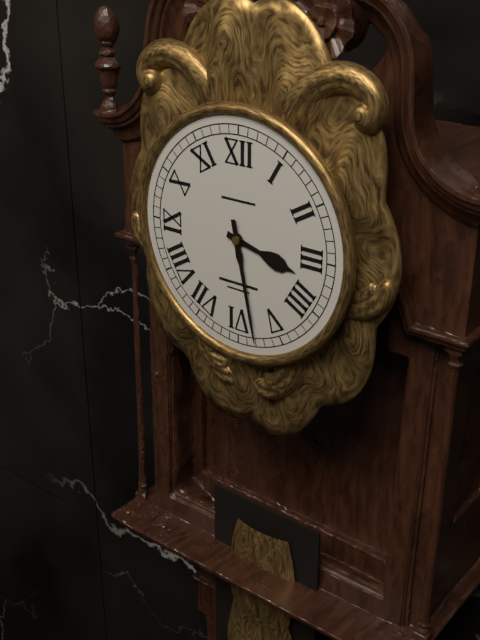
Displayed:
3:28
